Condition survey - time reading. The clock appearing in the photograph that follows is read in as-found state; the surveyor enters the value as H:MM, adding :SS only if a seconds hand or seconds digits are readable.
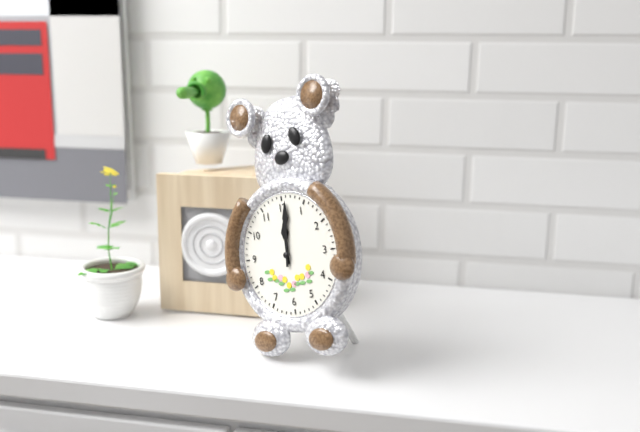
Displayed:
12:01
